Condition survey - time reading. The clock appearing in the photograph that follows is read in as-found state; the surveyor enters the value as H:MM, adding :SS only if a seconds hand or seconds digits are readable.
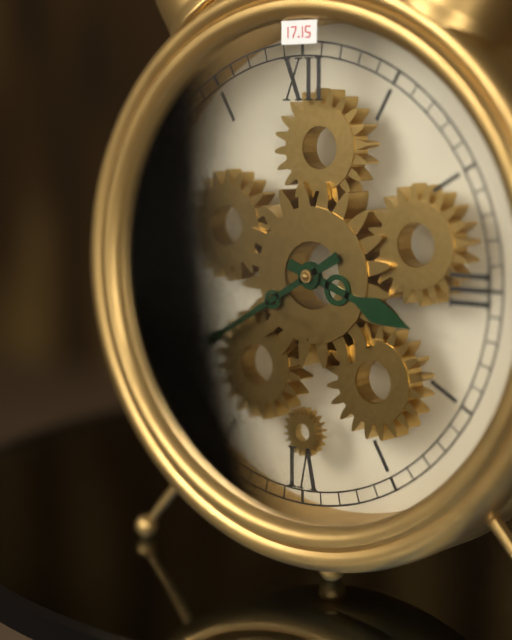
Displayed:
3:40
